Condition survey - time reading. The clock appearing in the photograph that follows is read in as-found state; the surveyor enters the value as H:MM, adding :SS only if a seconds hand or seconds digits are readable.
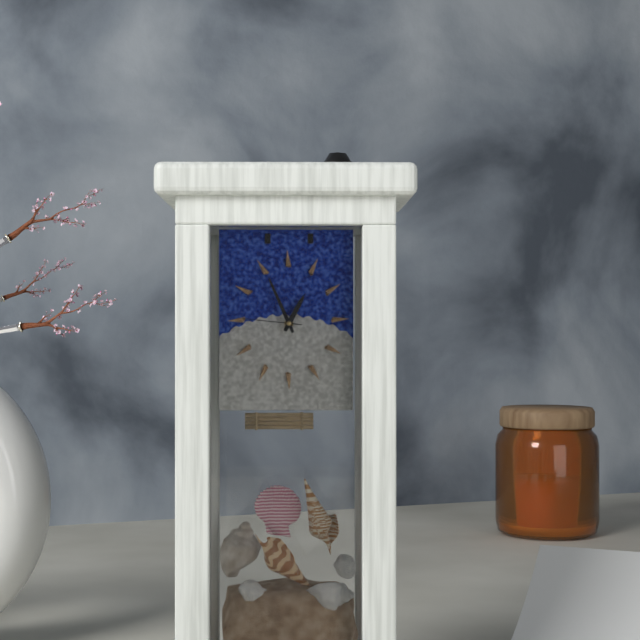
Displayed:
12:56:46
